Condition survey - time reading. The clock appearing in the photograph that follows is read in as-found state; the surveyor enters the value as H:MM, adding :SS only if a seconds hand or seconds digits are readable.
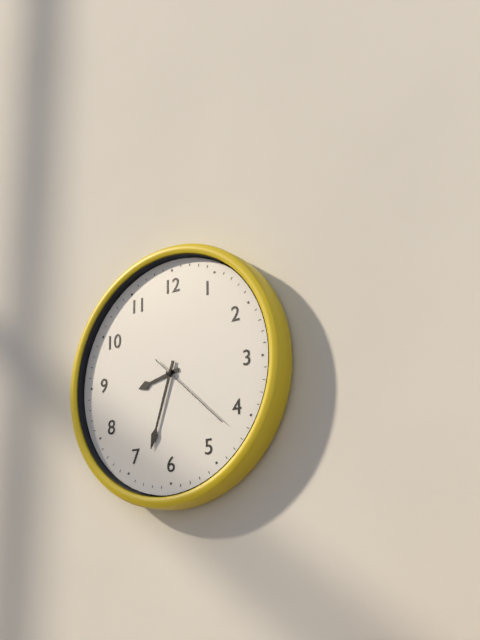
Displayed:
8:33:22
